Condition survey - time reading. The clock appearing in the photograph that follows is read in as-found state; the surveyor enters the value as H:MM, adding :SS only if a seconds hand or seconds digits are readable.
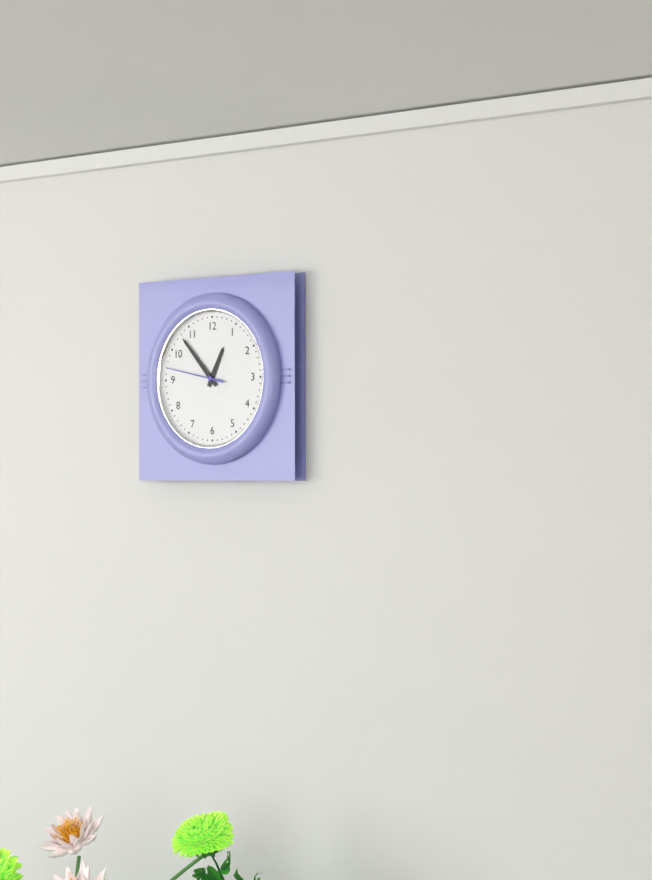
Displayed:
12:53:47
